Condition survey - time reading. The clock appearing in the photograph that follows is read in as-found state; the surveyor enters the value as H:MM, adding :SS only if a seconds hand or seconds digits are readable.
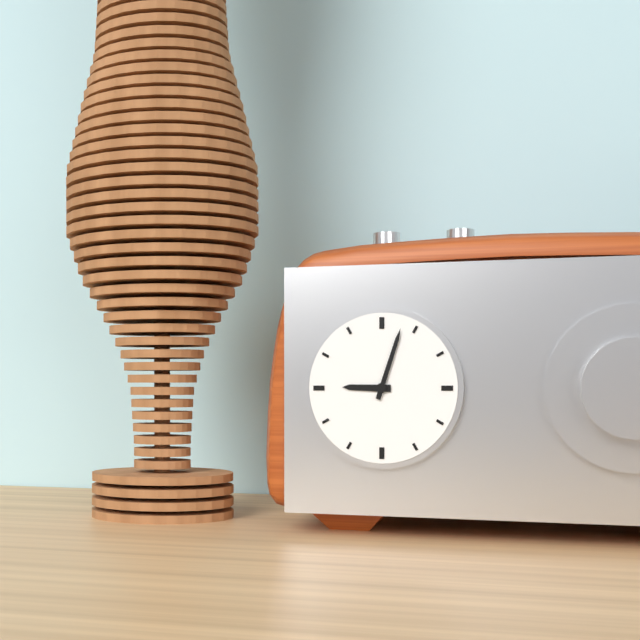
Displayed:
9:03
